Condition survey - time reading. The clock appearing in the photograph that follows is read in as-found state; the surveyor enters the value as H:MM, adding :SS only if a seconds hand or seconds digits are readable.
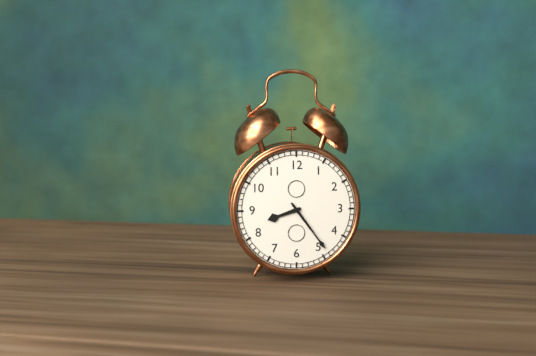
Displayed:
8:24
